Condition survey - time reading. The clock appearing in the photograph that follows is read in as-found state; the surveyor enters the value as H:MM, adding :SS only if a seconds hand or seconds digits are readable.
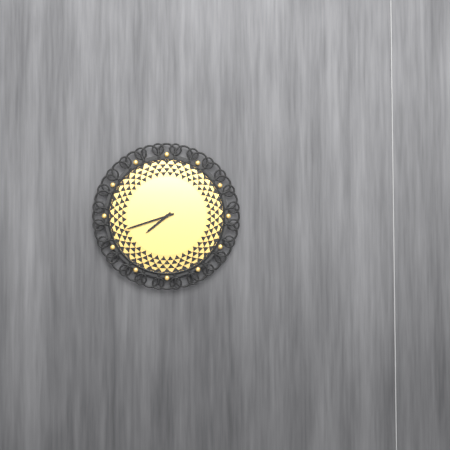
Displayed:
7:42
